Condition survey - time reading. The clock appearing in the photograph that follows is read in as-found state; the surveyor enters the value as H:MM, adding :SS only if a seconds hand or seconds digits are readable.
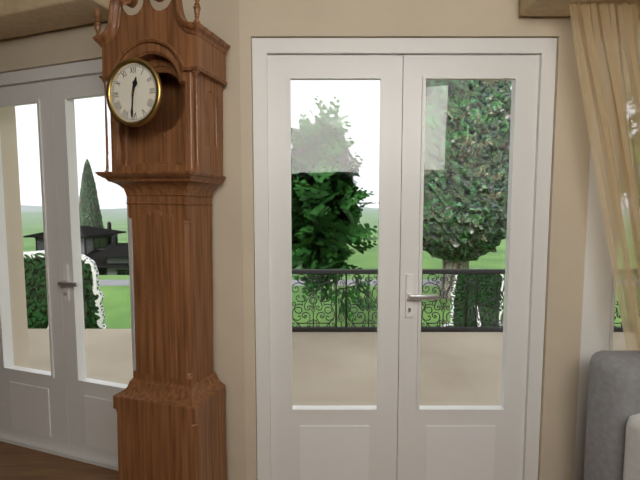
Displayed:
12:31
